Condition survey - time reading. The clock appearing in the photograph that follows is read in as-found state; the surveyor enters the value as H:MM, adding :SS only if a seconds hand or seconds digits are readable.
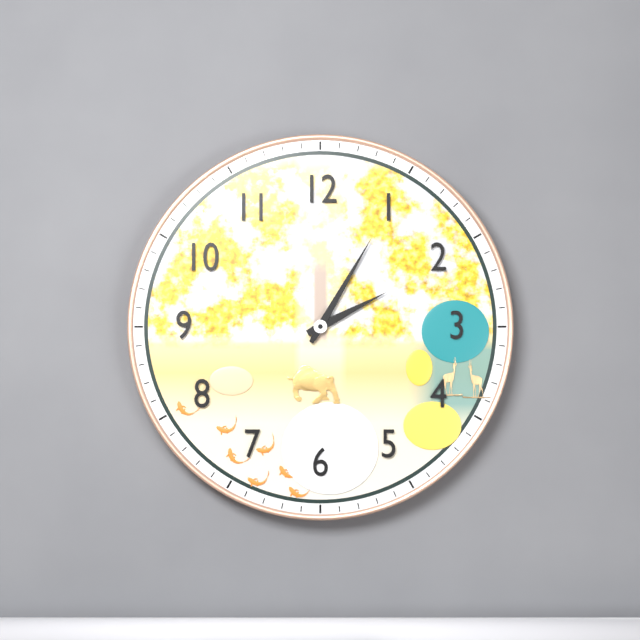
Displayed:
2:05
